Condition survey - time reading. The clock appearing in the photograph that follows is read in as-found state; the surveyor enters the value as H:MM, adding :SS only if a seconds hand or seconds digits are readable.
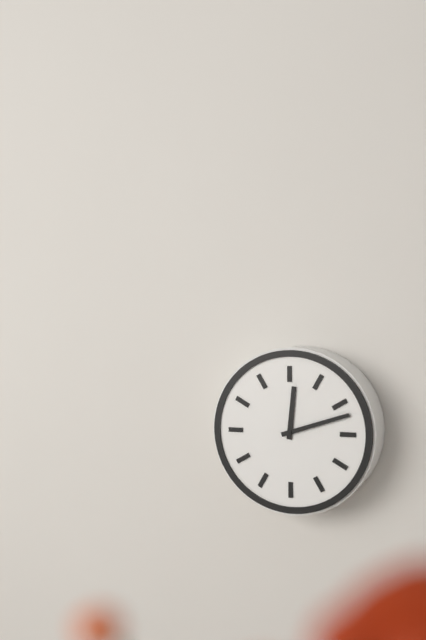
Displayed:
12:12
